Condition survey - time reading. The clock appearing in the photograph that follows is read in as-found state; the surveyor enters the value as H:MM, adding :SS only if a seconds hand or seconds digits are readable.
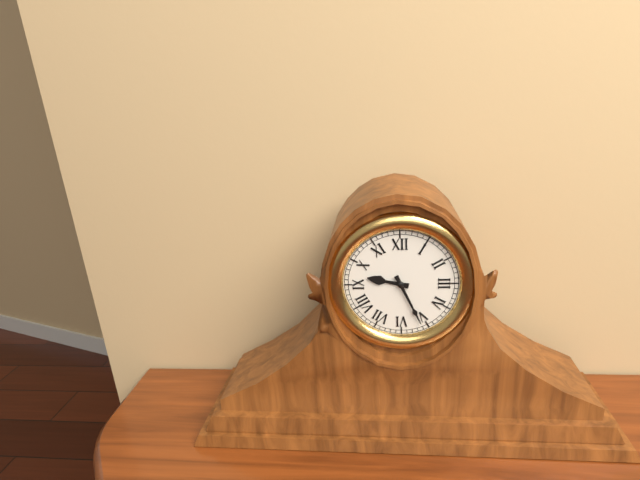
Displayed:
9:26
